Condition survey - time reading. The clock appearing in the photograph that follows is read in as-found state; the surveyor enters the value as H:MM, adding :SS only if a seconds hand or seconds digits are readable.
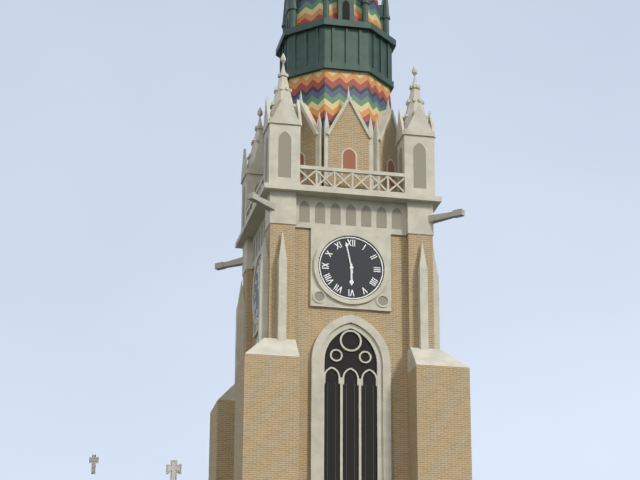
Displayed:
5:58
